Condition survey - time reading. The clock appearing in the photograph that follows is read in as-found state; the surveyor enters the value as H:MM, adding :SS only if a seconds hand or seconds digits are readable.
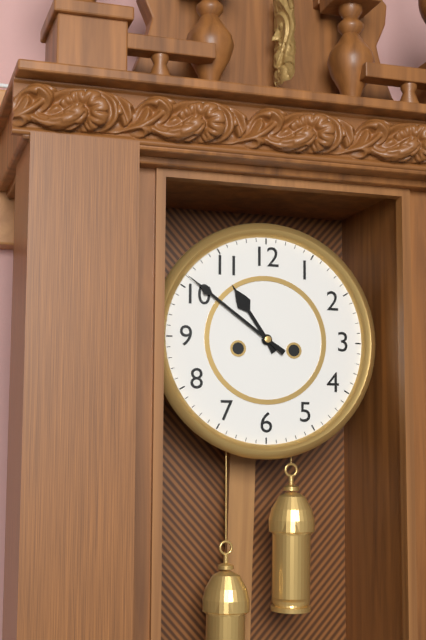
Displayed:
10:51
